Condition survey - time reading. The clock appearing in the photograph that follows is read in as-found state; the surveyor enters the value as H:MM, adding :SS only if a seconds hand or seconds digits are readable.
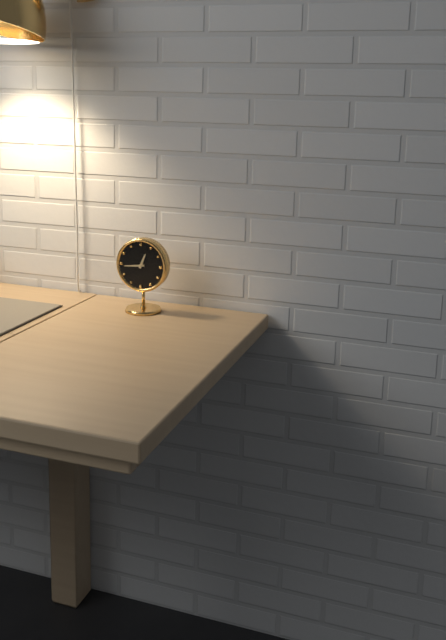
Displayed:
12:44
